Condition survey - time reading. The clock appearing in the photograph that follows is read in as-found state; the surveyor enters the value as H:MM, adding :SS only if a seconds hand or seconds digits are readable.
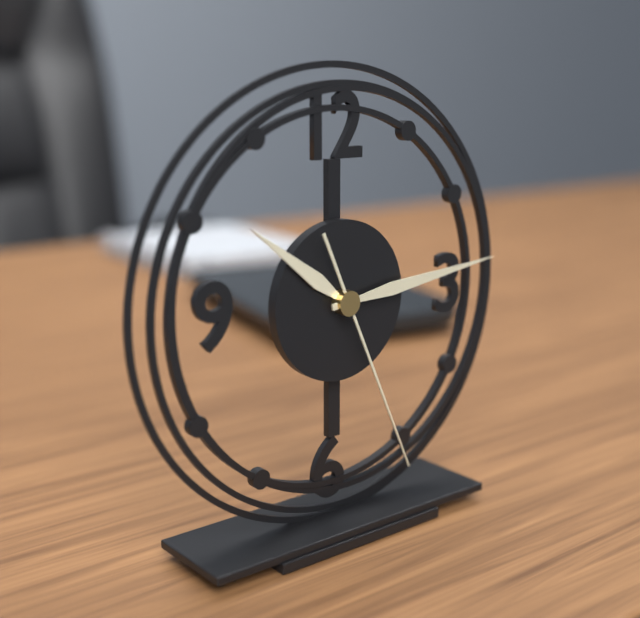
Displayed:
10:14:26
